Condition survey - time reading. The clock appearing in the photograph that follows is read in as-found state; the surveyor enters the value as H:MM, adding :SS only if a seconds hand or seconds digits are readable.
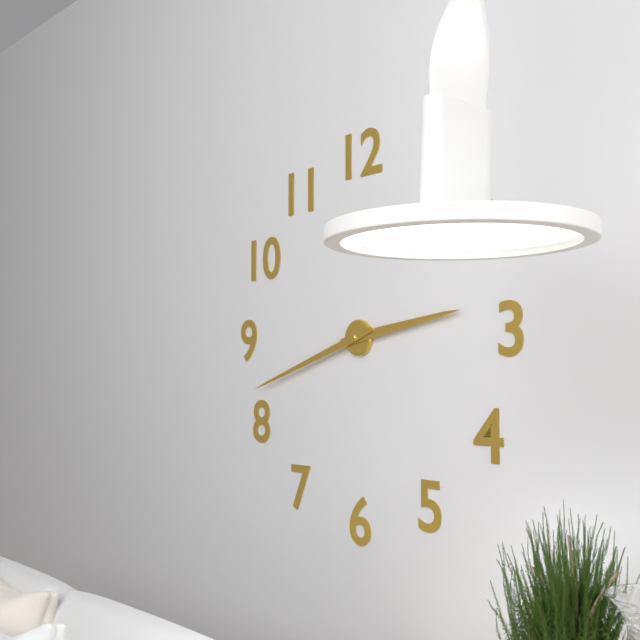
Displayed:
2:42
